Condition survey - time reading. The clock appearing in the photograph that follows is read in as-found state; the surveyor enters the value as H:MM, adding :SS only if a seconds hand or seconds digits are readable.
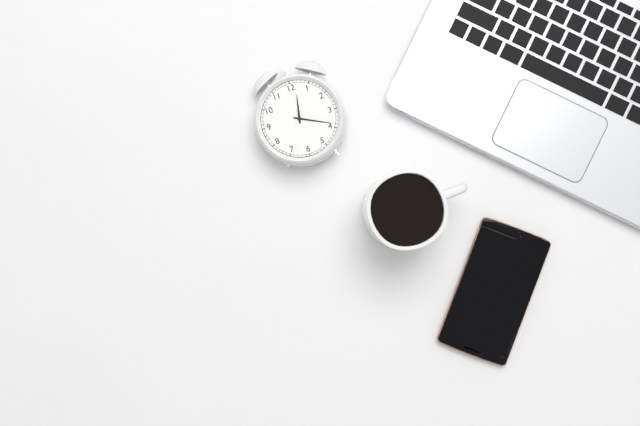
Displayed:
12:19
